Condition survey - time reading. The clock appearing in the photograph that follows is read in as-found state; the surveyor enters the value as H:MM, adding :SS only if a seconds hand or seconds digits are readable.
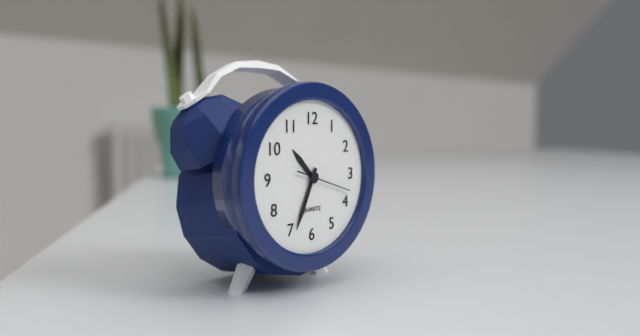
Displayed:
10:34
